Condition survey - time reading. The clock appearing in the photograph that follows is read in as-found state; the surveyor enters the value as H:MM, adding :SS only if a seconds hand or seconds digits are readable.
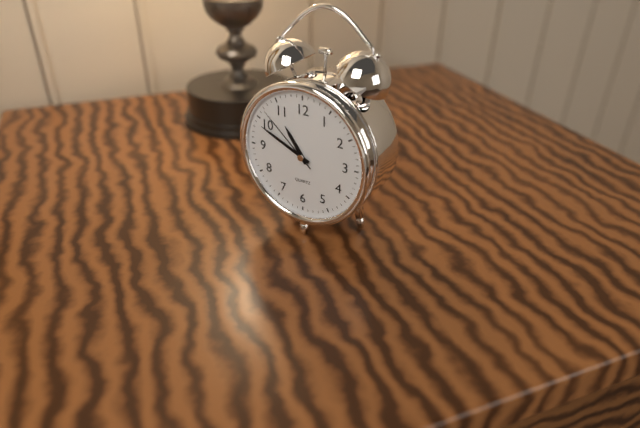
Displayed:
10:49:52
